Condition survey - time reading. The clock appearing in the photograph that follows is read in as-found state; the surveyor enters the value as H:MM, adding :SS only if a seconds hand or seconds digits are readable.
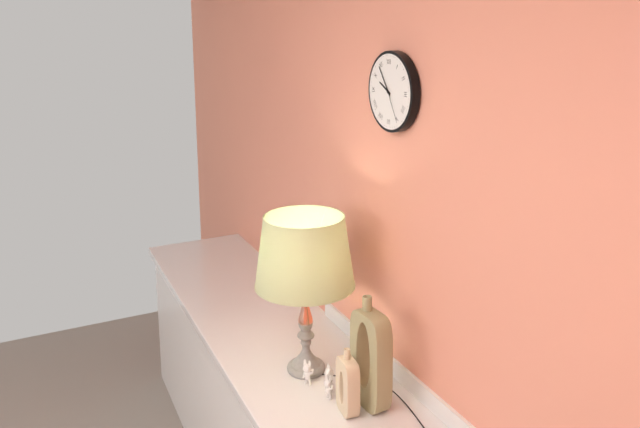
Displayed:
9:54
